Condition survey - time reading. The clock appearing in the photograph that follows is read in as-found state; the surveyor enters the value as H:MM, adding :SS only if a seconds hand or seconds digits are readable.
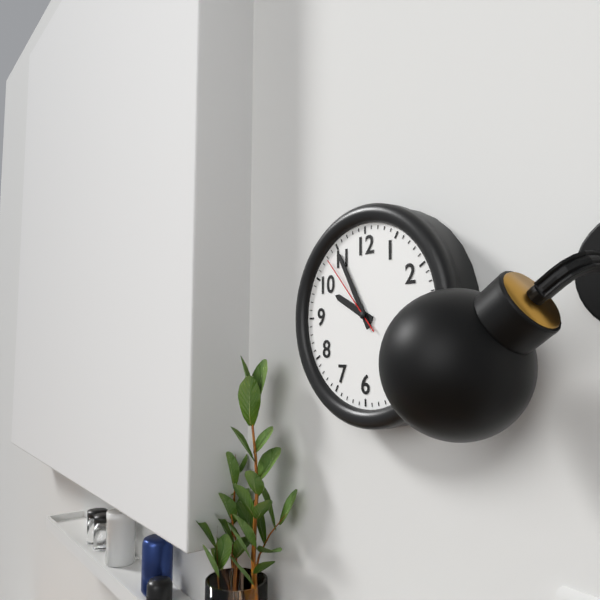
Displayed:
9:55:53
